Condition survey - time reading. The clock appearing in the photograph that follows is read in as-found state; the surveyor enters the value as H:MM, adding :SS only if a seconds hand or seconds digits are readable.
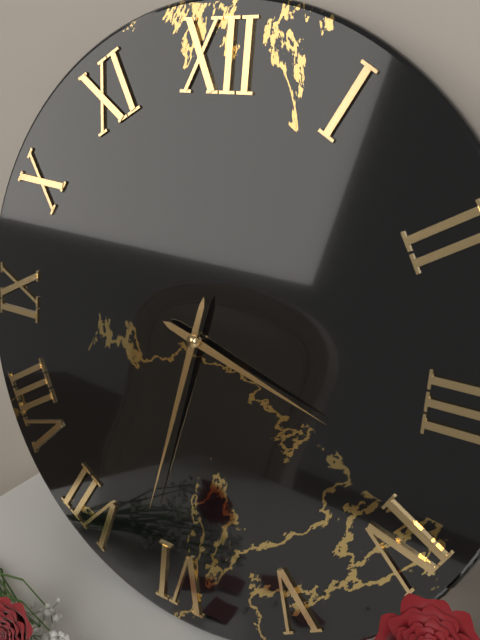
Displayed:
3:32
